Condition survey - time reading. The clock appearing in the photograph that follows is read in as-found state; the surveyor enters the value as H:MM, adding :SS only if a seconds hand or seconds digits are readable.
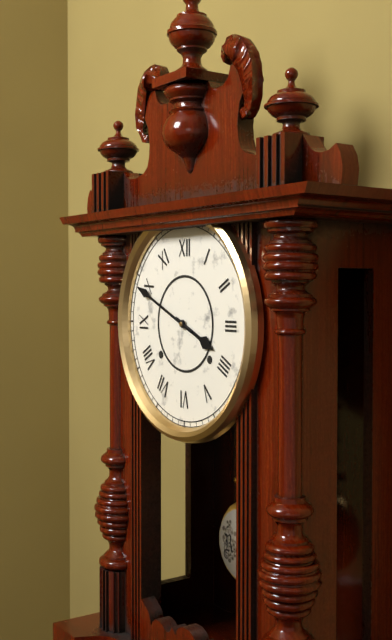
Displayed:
3:49
